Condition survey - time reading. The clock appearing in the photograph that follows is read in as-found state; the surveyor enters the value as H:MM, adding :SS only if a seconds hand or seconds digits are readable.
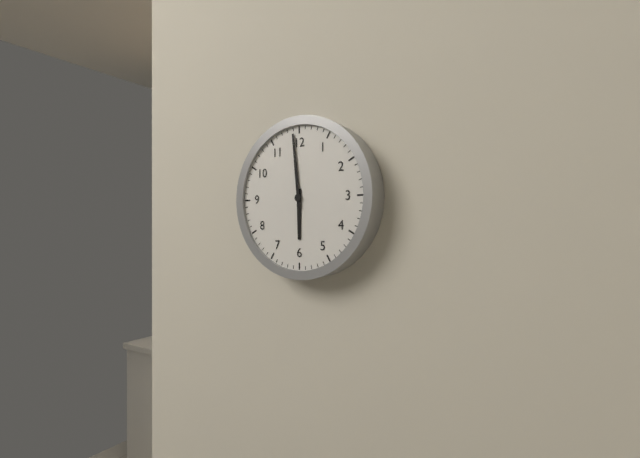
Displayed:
5:59
